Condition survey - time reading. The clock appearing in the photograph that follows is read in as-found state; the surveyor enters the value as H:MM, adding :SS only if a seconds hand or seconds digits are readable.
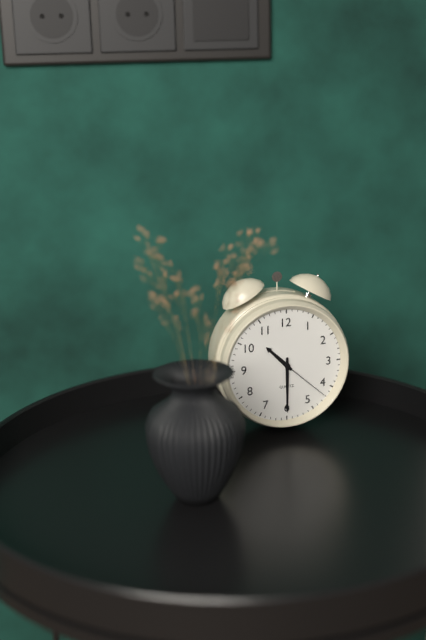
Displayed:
10:30:22
